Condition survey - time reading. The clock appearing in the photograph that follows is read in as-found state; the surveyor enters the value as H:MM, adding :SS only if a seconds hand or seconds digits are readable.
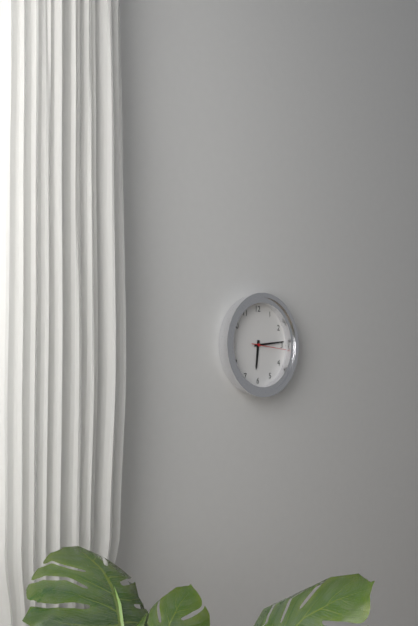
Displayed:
6:14
